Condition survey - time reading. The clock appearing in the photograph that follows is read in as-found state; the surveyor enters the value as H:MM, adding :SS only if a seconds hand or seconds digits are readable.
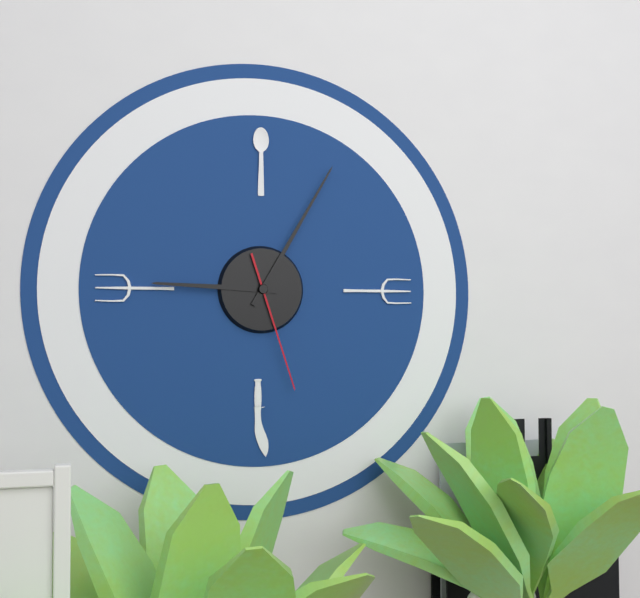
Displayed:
9:05:27
